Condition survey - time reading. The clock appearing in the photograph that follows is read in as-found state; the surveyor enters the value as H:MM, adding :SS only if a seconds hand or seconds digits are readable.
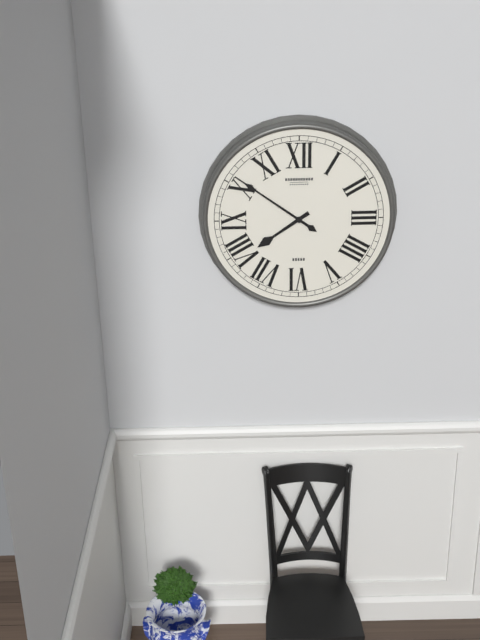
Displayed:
7:51
